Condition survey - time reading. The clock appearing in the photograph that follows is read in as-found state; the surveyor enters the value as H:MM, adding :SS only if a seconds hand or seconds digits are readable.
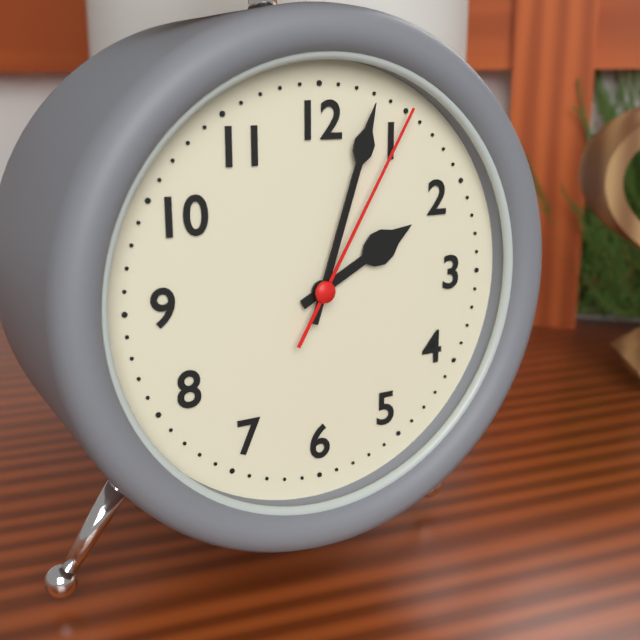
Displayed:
2:03:05
